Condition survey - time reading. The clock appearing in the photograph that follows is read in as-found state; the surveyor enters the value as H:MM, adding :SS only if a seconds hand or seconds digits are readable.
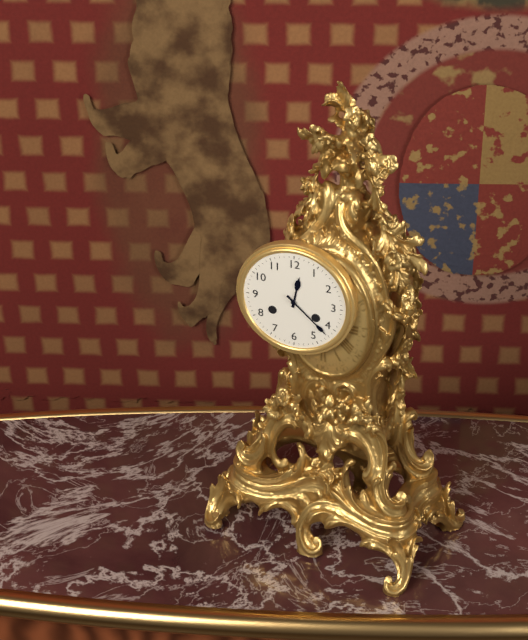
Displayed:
12:22
